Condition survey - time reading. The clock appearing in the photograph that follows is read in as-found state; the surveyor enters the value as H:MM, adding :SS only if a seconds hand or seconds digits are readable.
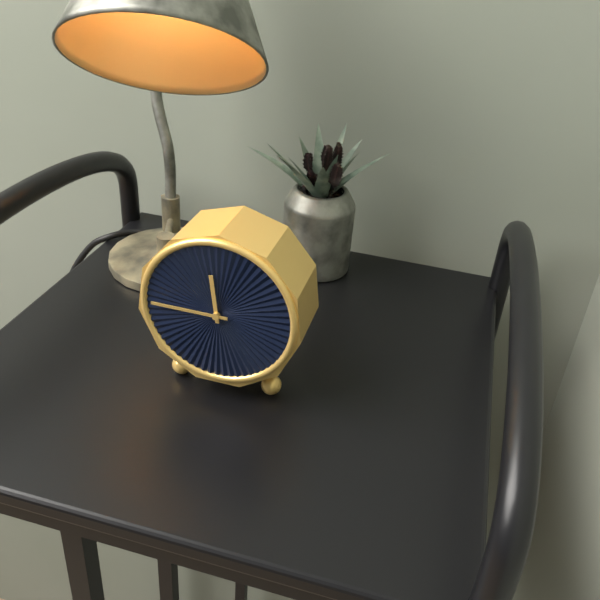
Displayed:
11:45
